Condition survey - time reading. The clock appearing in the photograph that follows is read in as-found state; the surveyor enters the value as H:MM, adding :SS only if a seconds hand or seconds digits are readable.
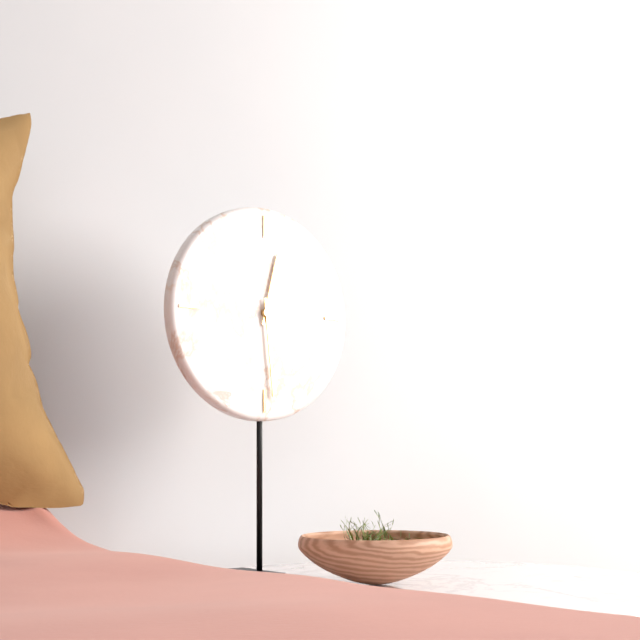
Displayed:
12:29
